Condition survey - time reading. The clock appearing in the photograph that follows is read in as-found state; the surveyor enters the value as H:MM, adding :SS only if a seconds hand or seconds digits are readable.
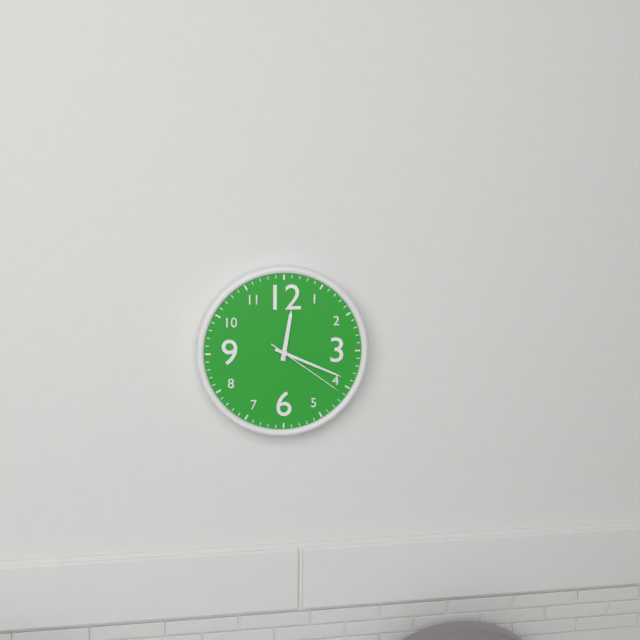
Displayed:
12:19:21
